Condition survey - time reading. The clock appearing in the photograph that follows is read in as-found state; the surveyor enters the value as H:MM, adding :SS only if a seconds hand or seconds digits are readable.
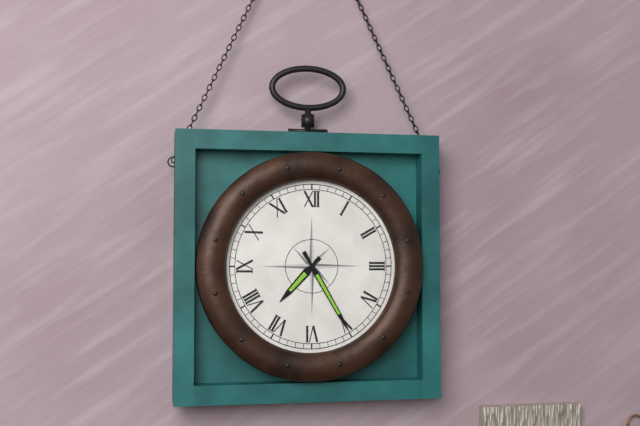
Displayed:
7:25
